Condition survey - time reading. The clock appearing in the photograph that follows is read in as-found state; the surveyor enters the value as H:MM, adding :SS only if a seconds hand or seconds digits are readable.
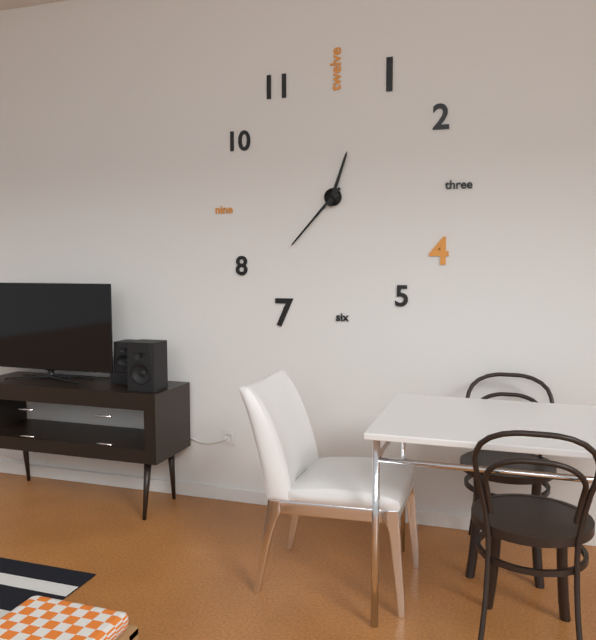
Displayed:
12:37
